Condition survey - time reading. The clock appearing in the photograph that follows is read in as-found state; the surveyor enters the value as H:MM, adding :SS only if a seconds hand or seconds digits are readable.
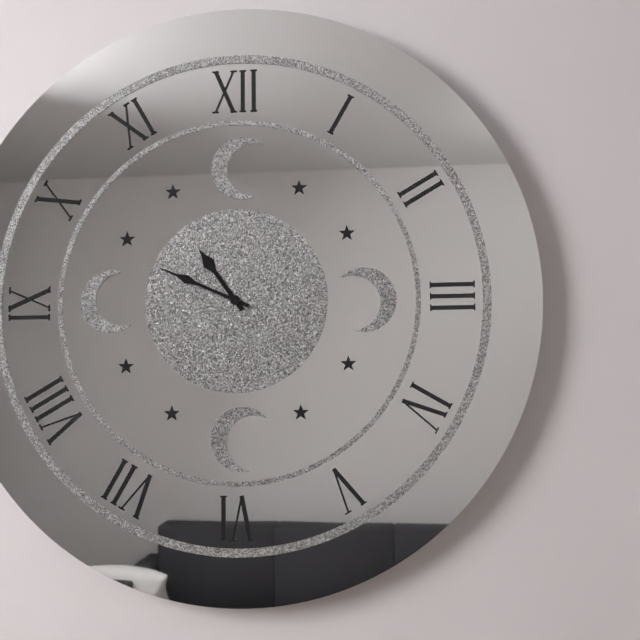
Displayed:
10:49
